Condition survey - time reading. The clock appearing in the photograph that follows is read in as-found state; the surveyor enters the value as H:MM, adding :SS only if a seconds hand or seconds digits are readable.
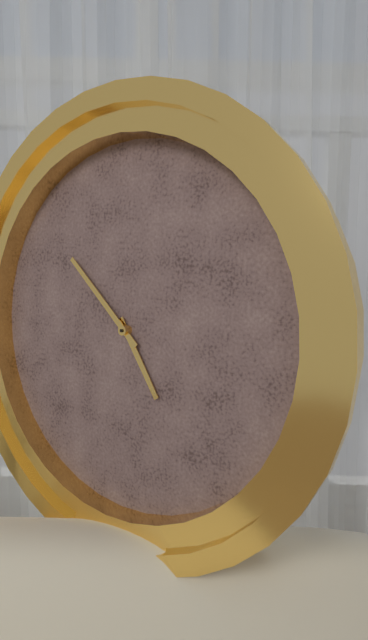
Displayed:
4:52
